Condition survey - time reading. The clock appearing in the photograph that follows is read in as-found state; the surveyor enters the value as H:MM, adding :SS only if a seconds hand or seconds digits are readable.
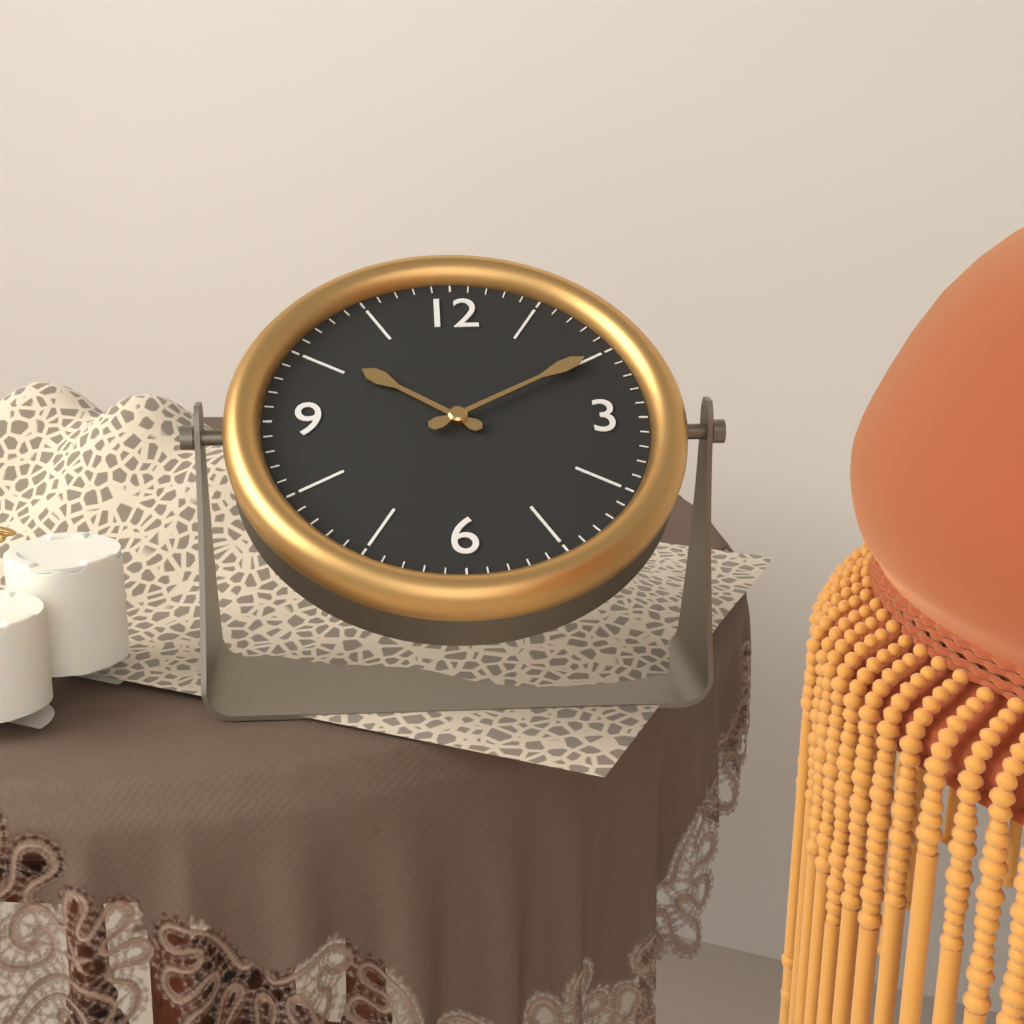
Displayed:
10:10
